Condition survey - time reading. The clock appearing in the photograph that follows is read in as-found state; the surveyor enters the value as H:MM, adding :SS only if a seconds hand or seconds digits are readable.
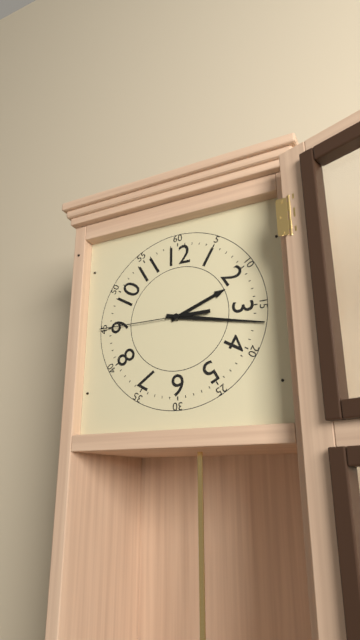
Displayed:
2:17:45
